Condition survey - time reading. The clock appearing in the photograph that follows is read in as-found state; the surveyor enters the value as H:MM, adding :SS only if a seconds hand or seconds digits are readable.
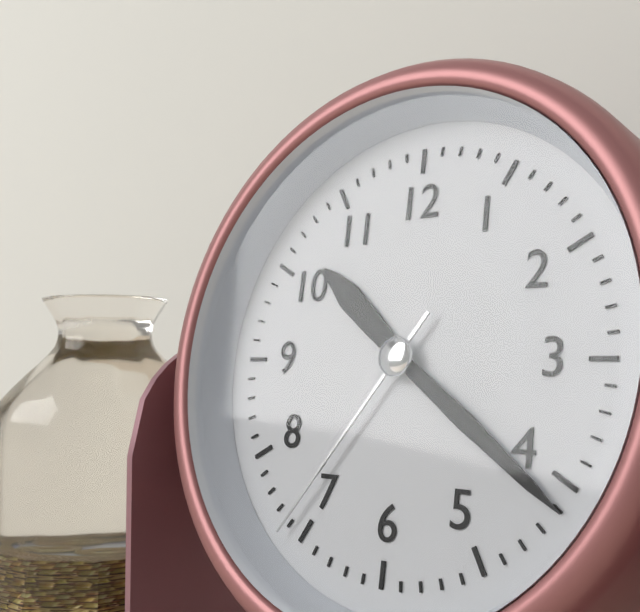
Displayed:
10:21:36
